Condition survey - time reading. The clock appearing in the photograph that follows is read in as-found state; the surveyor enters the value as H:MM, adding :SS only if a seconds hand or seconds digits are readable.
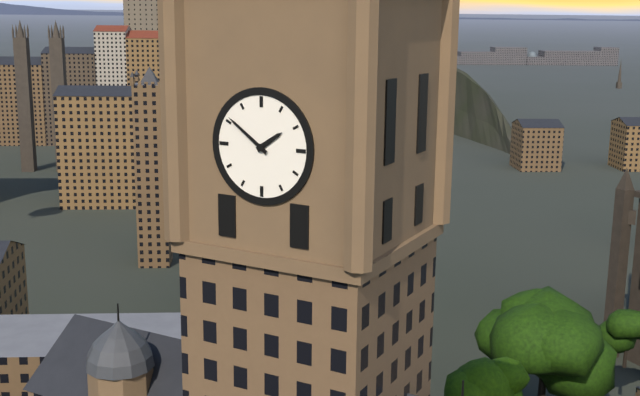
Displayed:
1:51
